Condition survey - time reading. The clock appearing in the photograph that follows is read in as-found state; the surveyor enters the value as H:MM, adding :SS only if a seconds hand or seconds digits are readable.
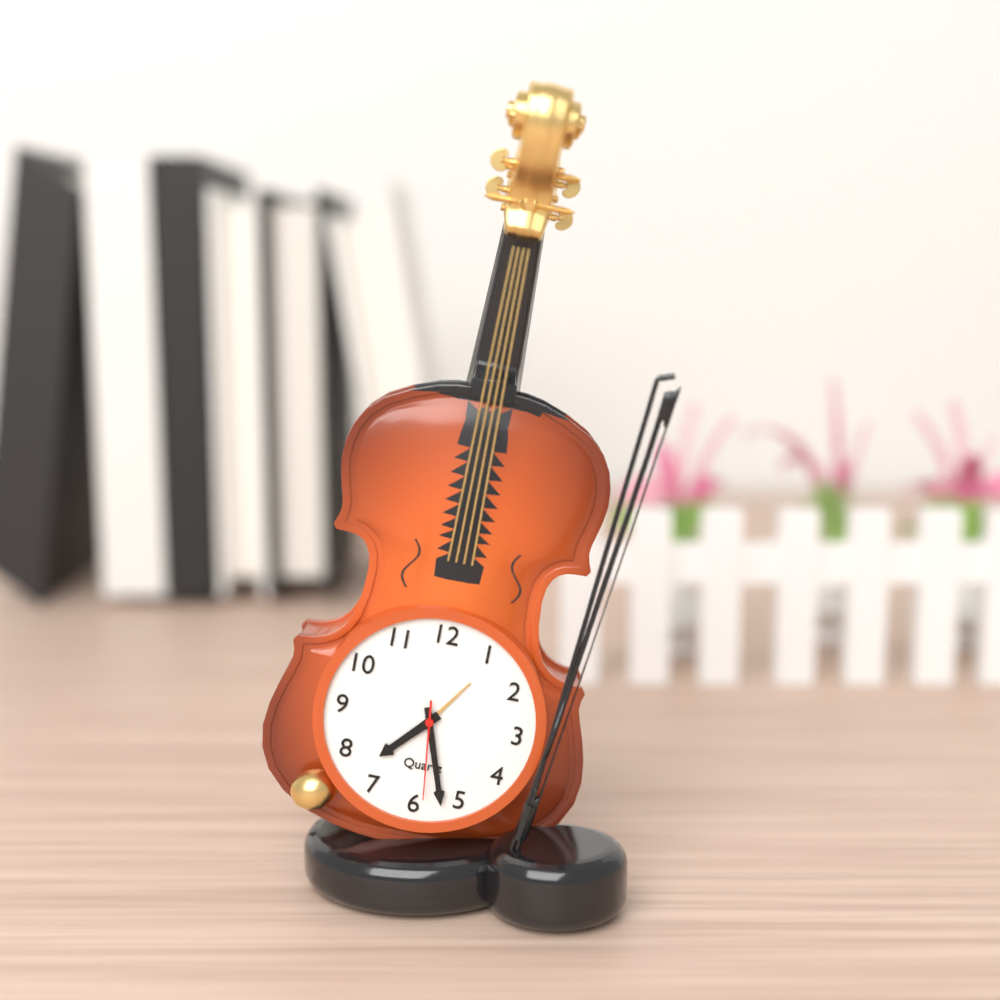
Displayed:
7:27:29
